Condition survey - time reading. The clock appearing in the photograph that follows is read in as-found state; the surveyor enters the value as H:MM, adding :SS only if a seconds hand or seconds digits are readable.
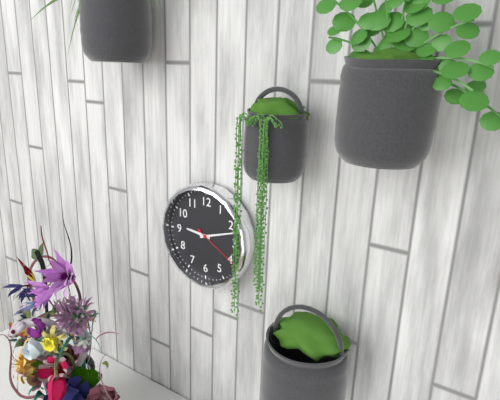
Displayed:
9:12:20
